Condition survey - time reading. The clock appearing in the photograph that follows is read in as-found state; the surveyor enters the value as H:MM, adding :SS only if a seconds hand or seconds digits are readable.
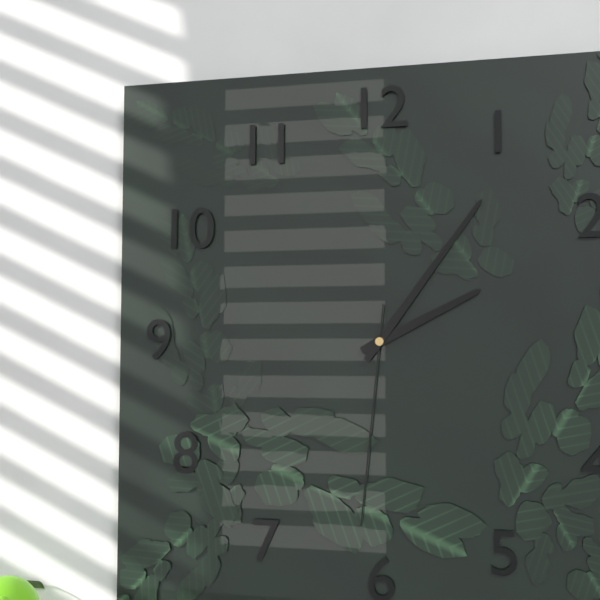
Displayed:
2:06:31
